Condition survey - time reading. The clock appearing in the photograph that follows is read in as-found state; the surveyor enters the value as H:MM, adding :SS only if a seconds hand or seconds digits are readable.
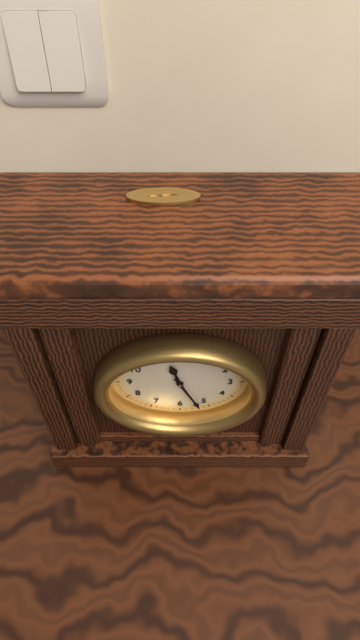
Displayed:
11:26
